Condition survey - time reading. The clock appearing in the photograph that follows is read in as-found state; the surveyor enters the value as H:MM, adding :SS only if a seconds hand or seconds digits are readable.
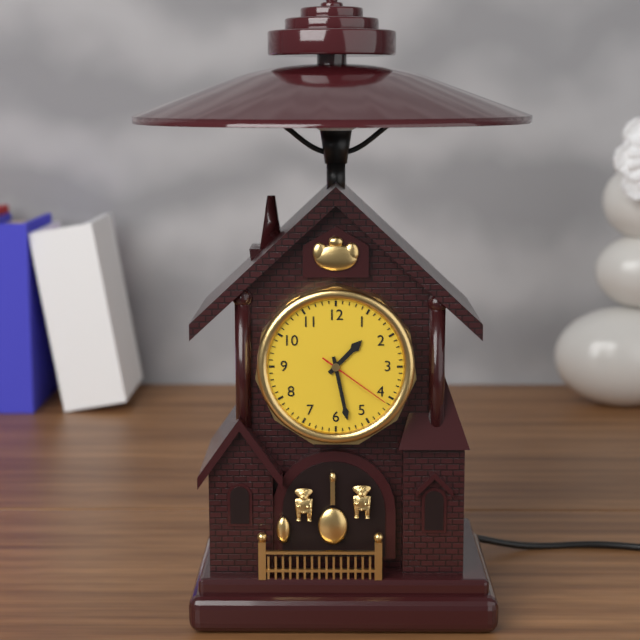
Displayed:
1:28:21
